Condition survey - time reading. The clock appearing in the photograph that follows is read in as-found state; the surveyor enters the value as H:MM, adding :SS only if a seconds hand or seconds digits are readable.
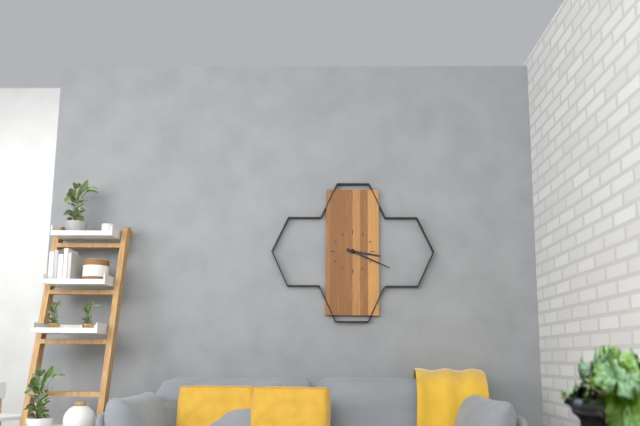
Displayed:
3:19
